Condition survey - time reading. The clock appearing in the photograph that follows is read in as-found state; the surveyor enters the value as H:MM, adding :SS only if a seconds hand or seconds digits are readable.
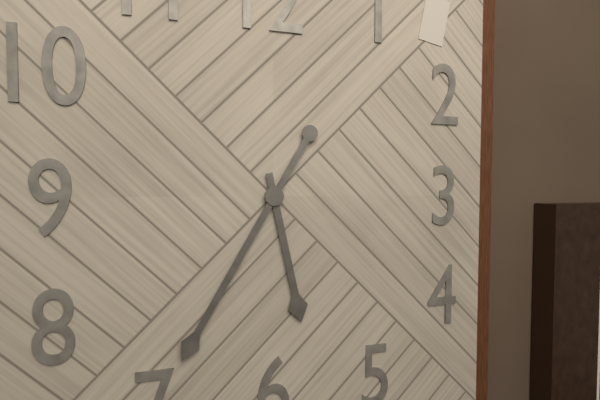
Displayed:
5:35
